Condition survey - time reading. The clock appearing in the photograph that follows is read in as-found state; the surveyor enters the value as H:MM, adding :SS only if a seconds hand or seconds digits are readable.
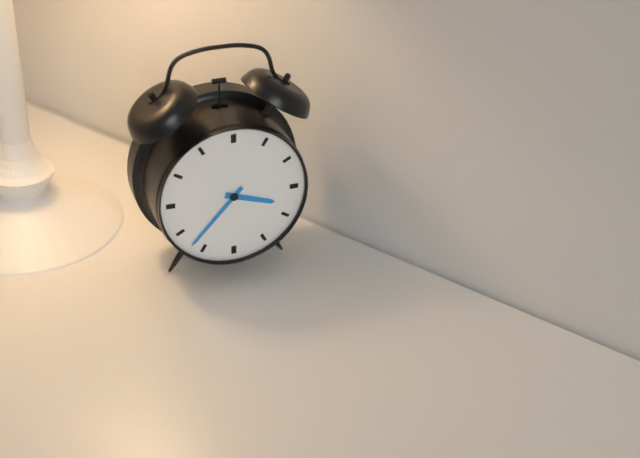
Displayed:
3:37
